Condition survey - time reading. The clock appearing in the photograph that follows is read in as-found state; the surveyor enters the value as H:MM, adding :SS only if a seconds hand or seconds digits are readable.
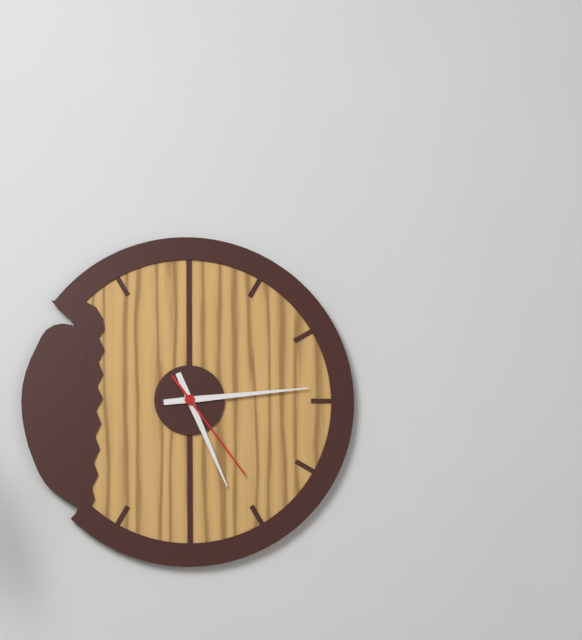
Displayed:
5:14:24
